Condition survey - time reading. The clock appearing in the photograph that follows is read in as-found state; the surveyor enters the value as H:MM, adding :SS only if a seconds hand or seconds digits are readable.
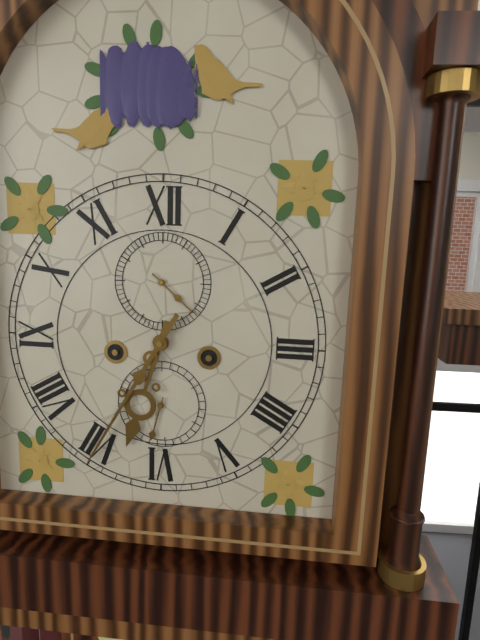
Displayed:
6:35:22
